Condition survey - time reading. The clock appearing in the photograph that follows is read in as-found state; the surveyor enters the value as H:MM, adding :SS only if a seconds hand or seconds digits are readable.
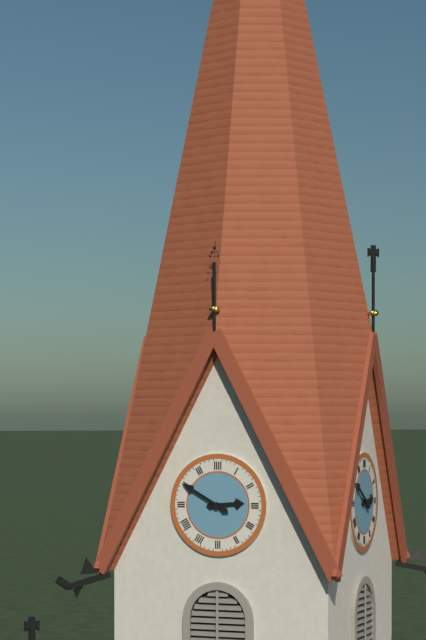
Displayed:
2:50
